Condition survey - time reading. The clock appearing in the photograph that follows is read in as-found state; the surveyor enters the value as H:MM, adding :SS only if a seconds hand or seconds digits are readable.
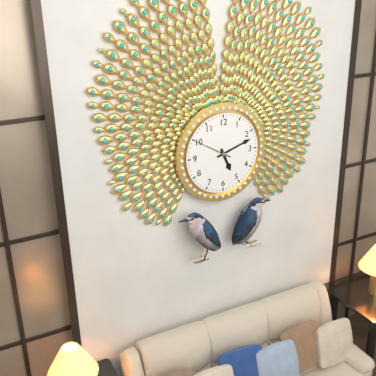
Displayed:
5:12
